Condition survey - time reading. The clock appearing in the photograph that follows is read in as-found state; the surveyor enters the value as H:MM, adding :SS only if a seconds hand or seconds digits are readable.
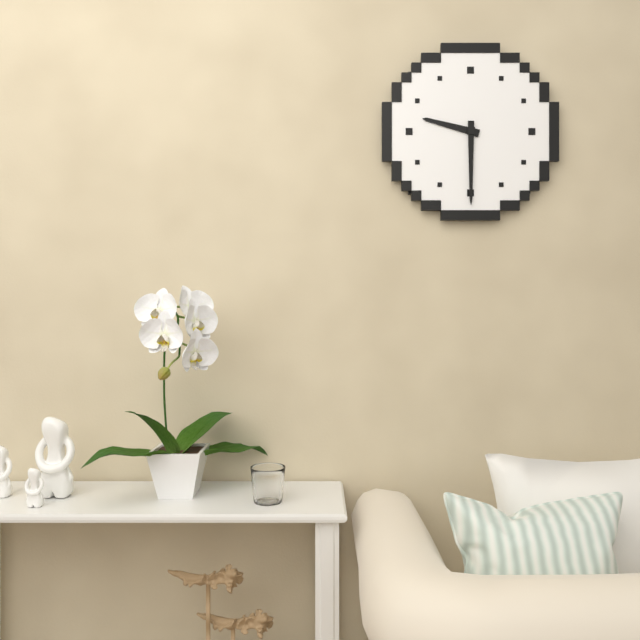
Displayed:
9:30
